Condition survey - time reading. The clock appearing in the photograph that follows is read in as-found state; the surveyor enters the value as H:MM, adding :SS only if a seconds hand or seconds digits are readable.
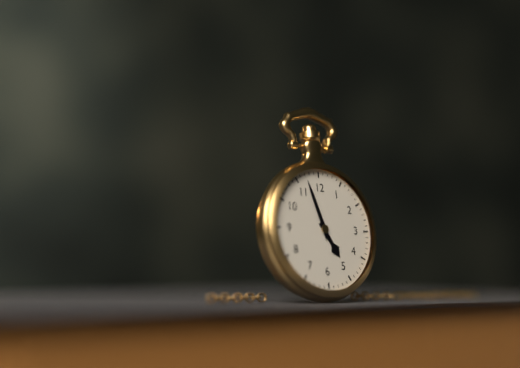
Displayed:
4:57
